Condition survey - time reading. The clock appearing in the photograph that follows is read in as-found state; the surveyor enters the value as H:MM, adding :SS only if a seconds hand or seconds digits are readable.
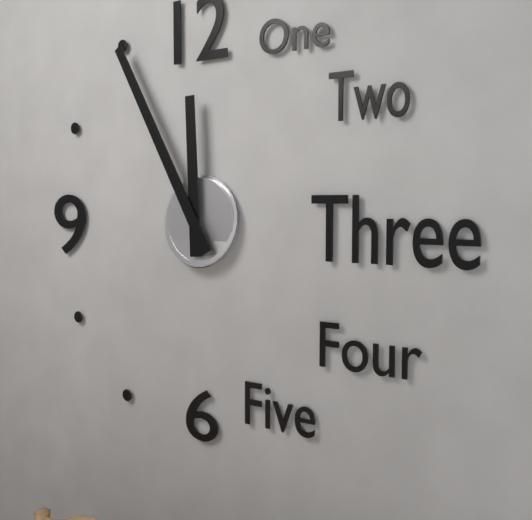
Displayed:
11:55
